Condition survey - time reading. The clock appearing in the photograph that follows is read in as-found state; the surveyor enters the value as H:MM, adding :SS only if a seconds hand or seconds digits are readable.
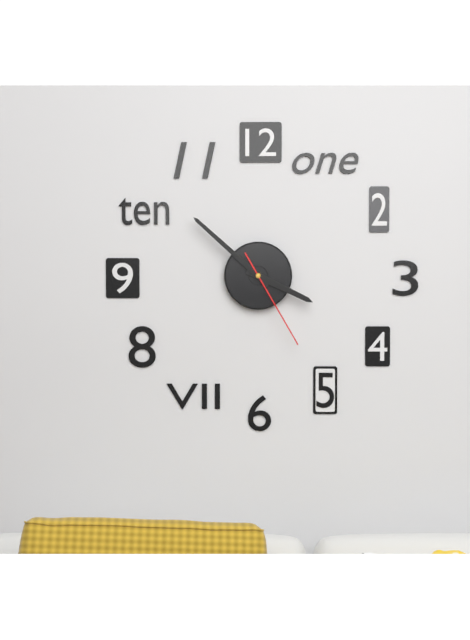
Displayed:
3:52:25
